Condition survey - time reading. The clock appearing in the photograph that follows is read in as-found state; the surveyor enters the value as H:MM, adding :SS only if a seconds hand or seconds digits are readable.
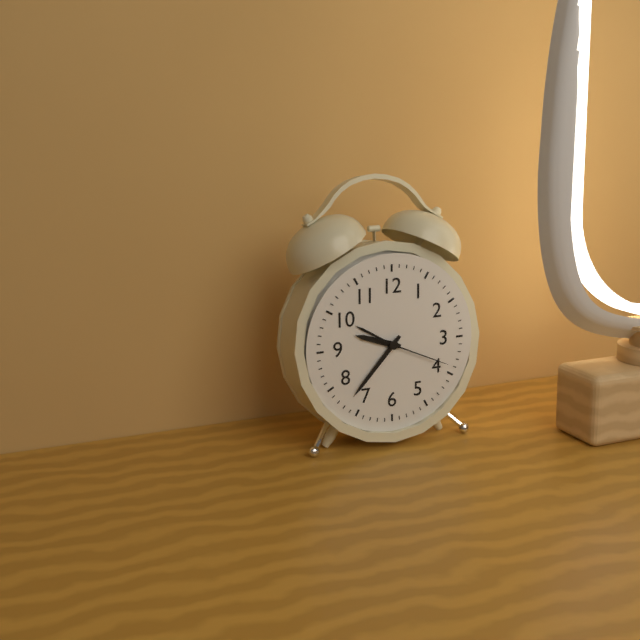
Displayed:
9:37:19
